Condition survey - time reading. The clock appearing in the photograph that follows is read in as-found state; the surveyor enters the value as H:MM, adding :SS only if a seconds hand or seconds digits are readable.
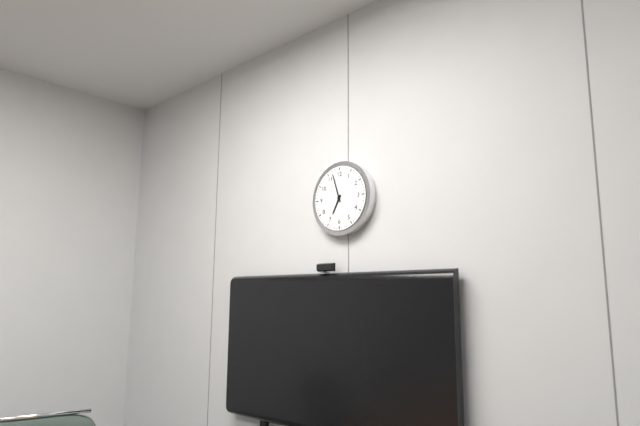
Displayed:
6:57
